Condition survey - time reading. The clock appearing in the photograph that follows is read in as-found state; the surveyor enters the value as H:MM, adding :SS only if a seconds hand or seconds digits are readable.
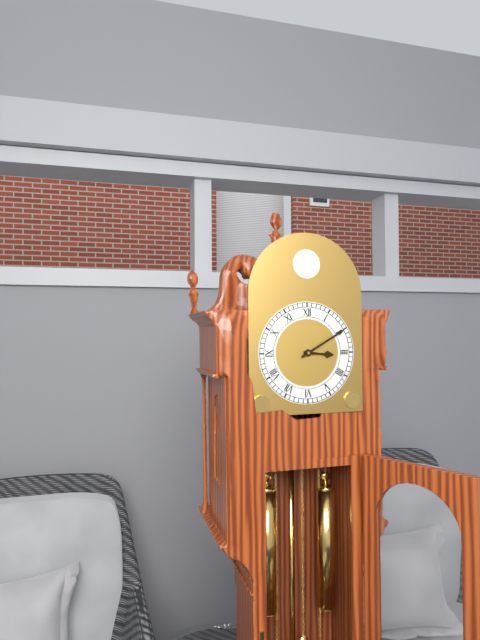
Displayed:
3:10
